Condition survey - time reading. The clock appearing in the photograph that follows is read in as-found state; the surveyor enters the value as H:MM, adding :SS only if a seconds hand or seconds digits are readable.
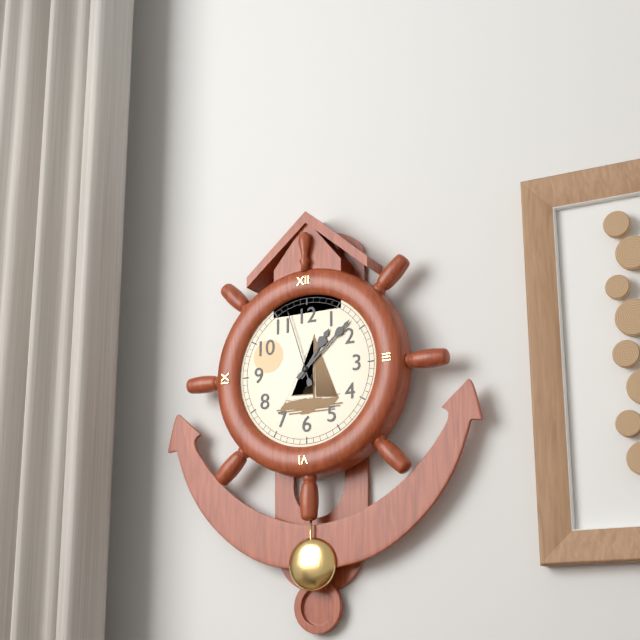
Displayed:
1:08:57
